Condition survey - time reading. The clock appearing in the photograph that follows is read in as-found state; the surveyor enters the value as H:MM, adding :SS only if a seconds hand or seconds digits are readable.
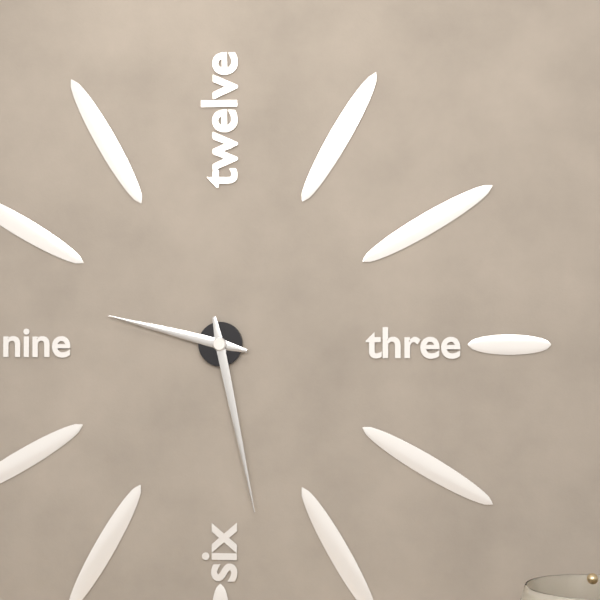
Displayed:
9:28
